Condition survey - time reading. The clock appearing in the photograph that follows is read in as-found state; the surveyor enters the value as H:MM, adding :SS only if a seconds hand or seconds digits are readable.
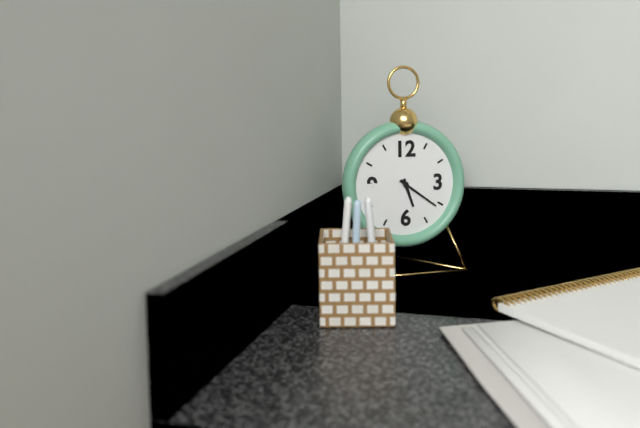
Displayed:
5:21
